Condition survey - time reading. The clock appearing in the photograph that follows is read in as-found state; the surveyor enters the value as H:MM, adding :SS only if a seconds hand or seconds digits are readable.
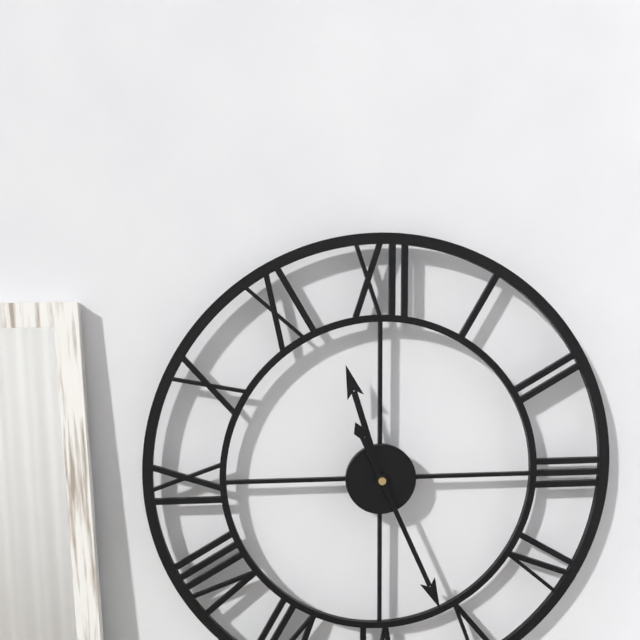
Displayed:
11:26
